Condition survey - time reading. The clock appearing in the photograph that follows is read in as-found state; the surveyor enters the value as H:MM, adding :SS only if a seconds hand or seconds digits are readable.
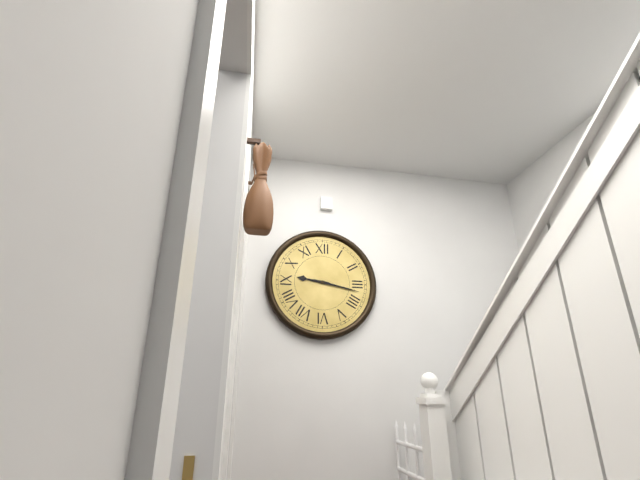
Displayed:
9:17
